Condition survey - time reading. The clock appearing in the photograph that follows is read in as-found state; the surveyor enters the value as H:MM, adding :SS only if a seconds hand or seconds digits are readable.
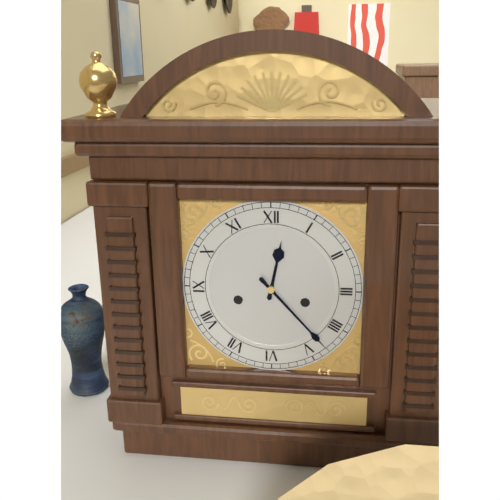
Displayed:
12:23
